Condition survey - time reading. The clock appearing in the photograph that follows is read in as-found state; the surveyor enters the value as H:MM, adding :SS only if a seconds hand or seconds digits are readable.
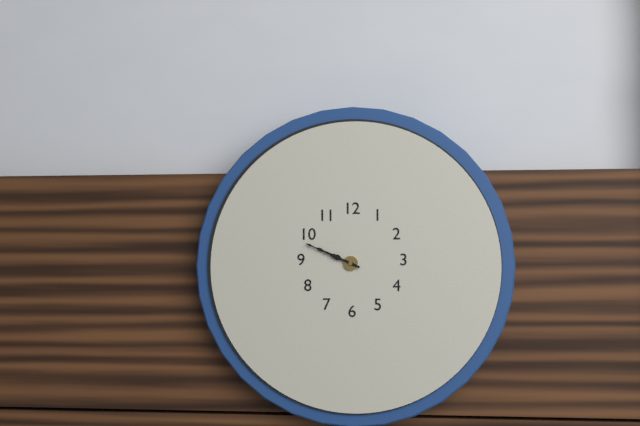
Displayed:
9:49
